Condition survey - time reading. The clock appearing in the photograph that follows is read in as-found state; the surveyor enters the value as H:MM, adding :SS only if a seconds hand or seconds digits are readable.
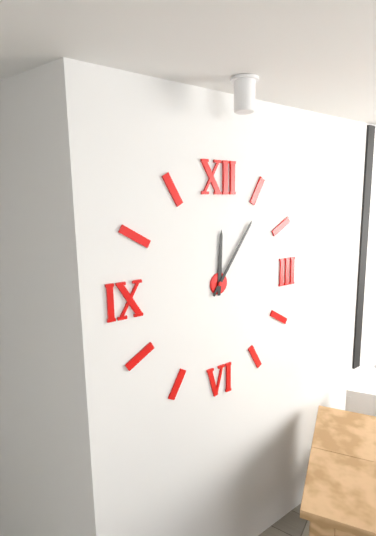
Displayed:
12:06
